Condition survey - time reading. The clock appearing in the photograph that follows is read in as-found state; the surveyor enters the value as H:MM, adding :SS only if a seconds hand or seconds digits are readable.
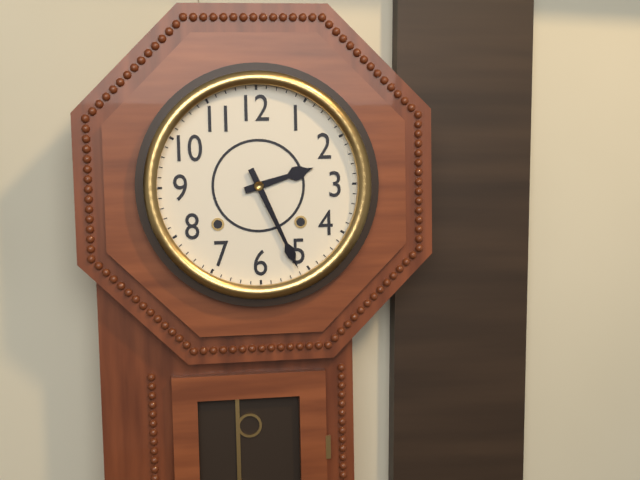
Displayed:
2:26
